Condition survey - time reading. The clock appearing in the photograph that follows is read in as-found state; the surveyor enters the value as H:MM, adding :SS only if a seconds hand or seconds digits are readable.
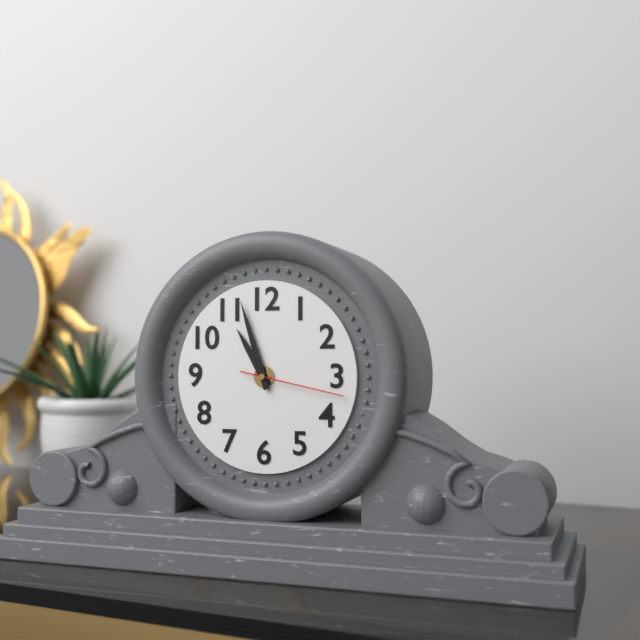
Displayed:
10:57:17
